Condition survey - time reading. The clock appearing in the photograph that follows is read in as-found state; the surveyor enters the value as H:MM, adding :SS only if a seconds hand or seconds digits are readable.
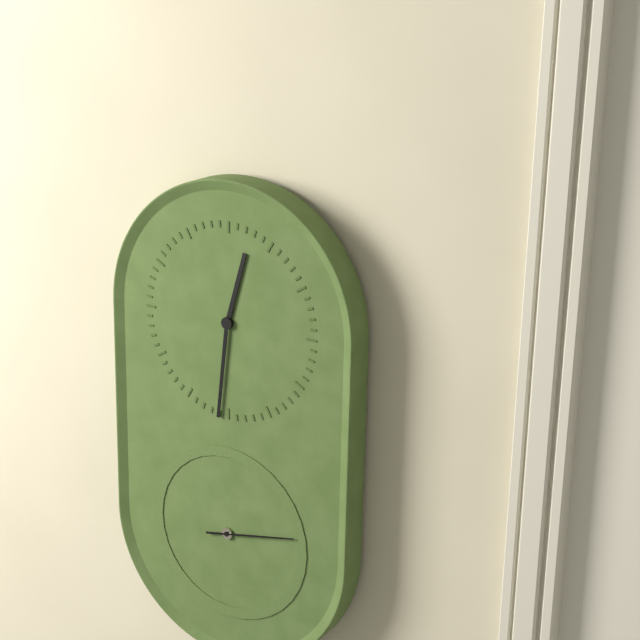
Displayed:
12:31:13
